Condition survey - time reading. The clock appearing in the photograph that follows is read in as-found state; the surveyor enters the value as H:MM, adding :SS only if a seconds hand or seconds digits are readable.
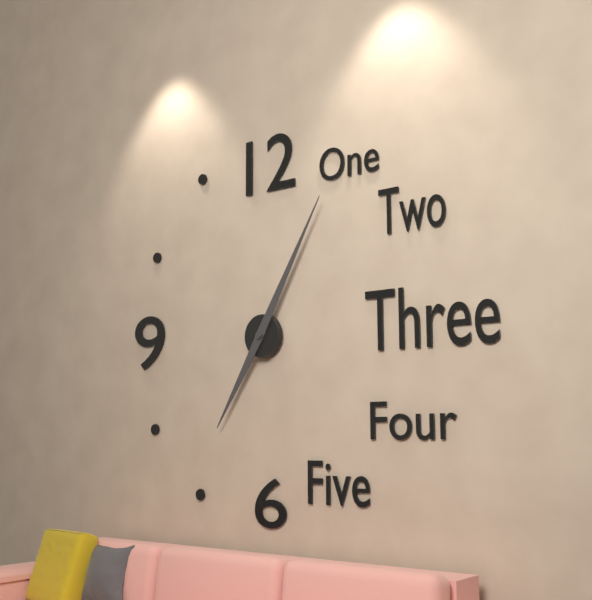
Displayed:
7:05
